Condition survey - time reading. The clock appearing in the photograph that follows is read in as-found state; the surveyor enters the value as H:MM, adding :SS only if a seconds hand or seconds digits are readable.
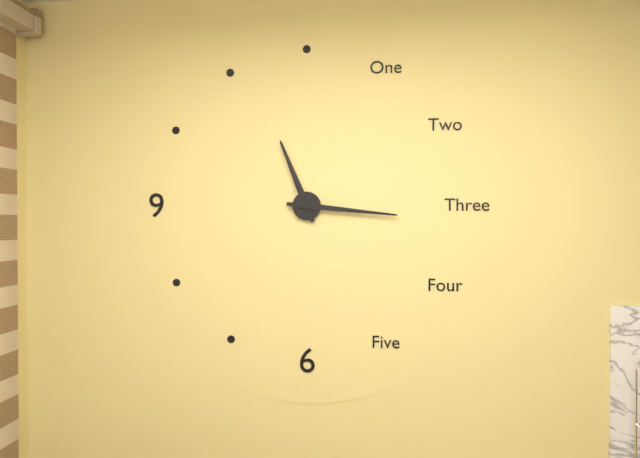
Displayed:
11:16
